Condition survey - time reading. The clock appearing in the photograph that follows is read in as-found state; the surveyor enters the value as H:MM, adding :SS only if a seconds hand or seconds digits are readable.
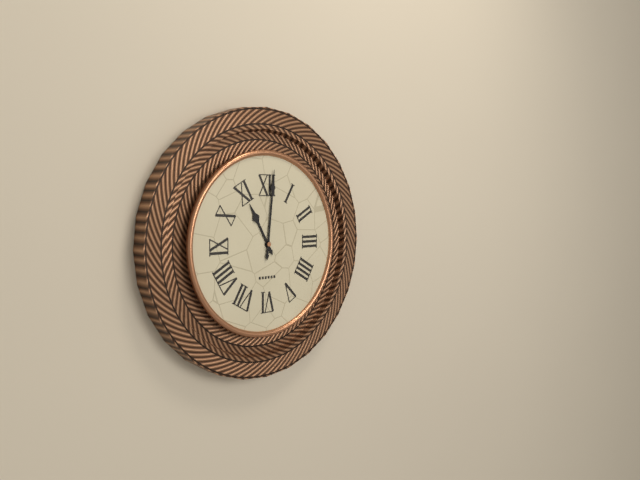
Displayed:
11:01
